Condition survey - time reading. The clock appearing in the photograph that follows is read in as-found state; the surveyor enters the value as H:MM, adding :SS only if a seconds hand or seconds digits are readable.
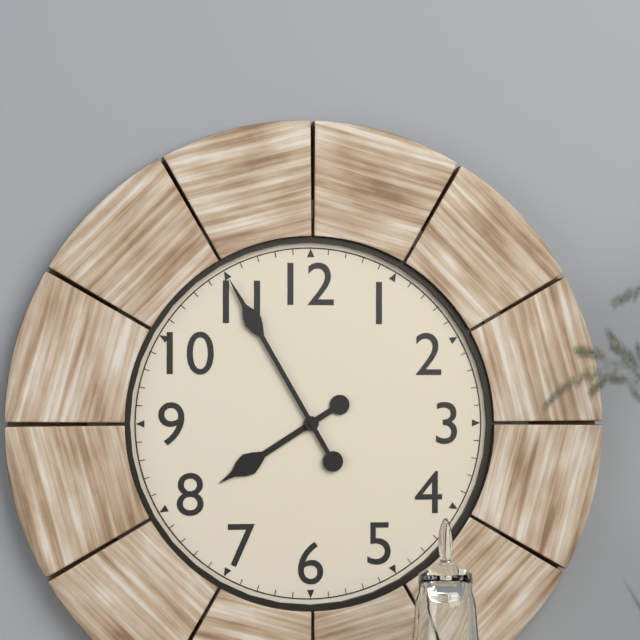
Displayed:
7:55
